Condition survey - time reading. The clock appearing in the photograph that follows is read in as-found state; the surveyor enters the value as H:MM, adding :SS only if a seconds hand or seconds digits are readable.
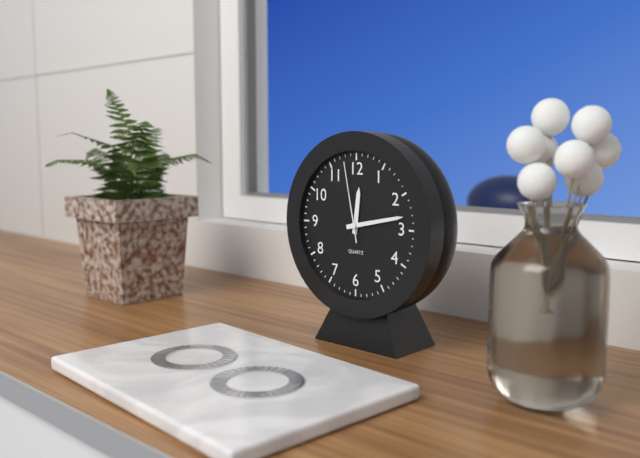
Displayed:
12:13:58
